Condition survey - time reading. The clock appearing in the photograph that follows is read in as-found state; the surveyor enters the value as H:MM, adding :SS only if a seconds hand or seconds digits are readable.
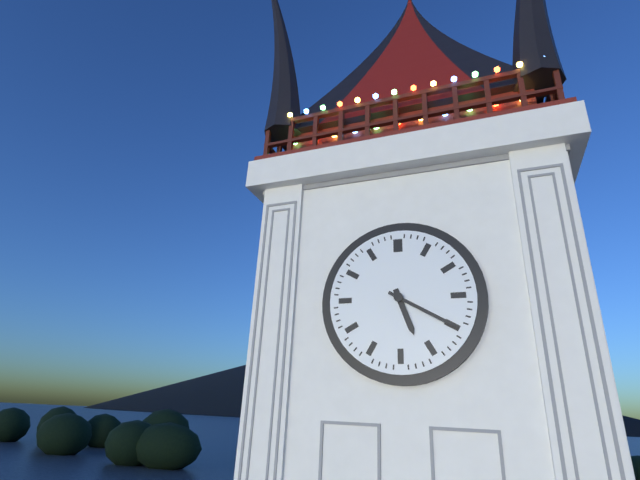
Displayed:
5:20
